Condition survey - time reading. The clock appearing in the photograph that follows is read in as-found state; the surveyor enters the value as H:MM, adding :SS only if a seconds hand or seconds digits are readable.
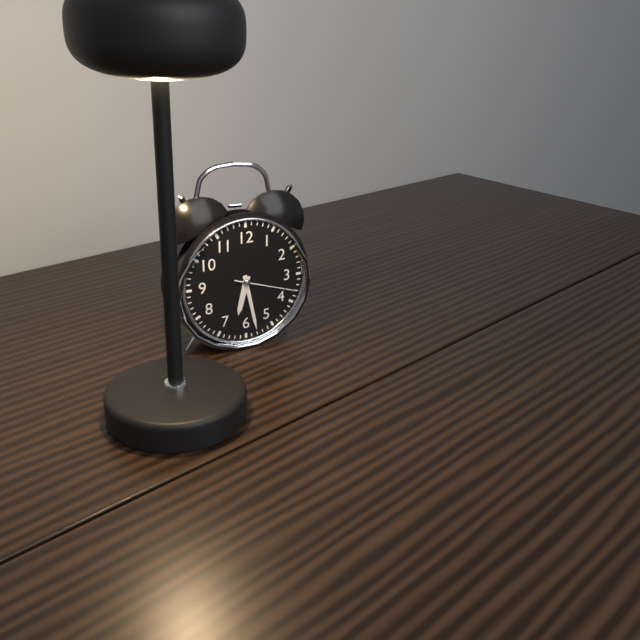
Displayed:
6:28:18
